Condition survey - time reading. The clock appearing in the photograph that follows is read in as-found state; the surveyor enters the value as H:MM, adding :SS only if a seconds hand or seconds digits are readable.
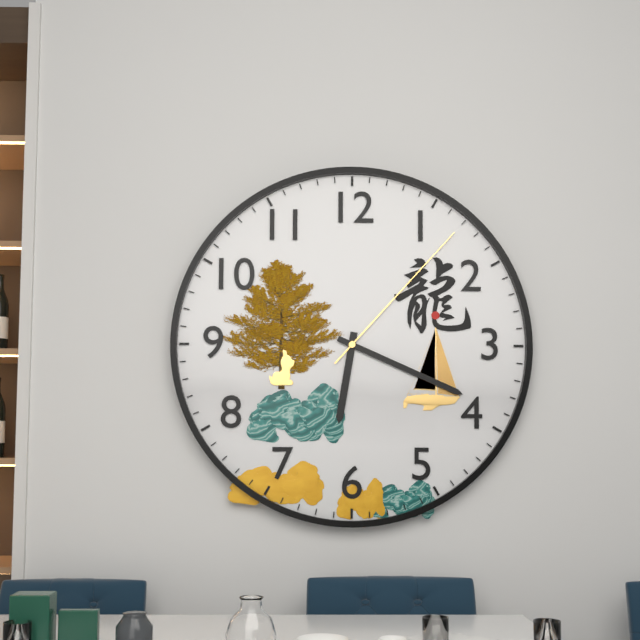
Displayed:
6:19:07
